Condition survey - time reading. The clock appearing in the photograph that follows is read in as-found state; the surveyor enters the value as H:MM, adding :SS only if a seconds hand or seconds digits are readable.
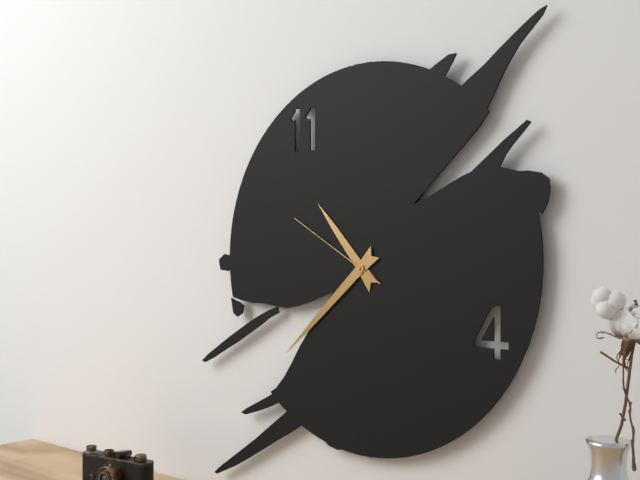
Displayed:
10:38:50
